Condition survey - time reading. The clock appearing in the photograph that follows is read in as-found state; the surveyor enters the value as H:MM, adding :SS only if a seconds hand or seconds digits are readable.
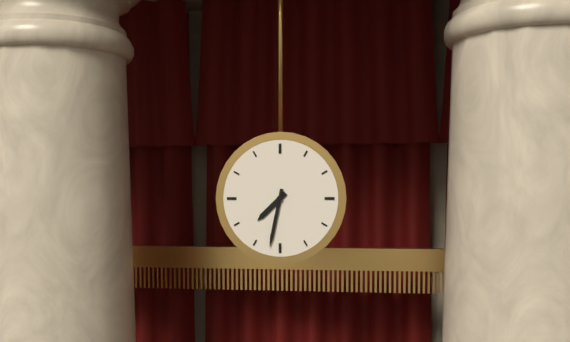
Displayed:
7:32
